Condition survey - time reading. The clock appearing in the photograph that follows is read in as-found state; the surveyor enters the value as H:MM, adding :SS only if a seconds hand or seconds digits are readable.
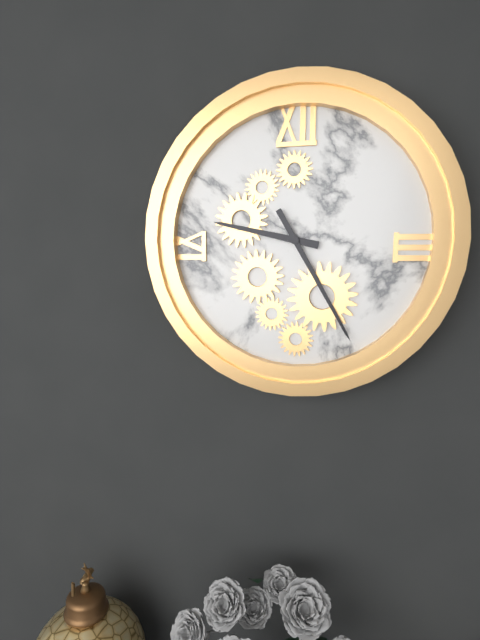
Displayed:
9:25
